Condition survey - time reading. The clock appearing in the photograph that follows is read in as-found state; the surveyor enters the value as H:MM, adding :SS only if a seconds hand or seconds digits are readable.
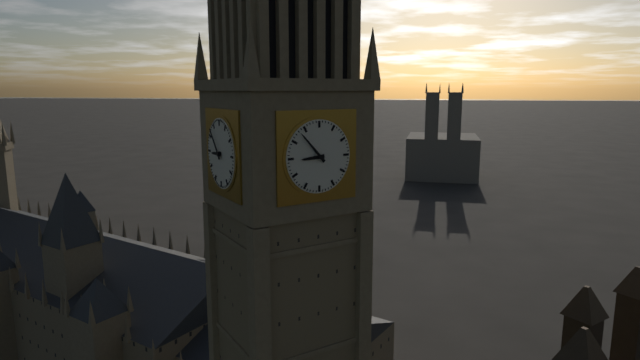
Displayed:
8:53
